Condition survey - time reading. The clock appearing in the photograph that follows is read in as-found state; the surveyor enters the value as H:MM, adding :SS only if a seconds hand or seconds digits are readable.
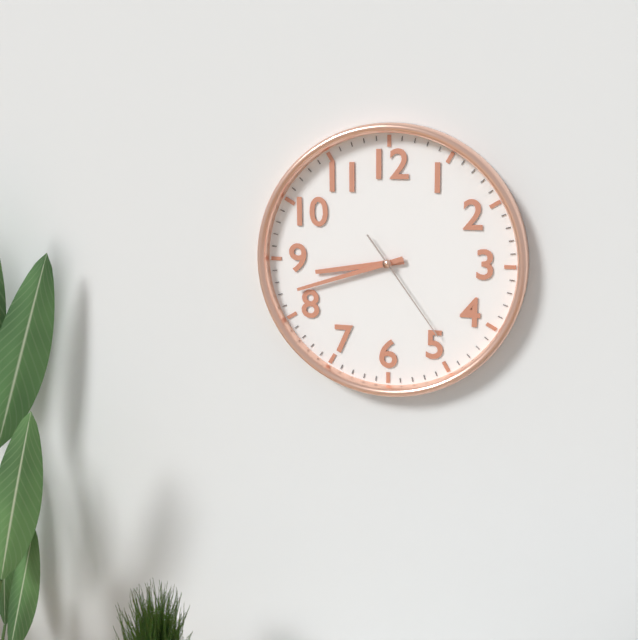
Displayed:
8:42:24
